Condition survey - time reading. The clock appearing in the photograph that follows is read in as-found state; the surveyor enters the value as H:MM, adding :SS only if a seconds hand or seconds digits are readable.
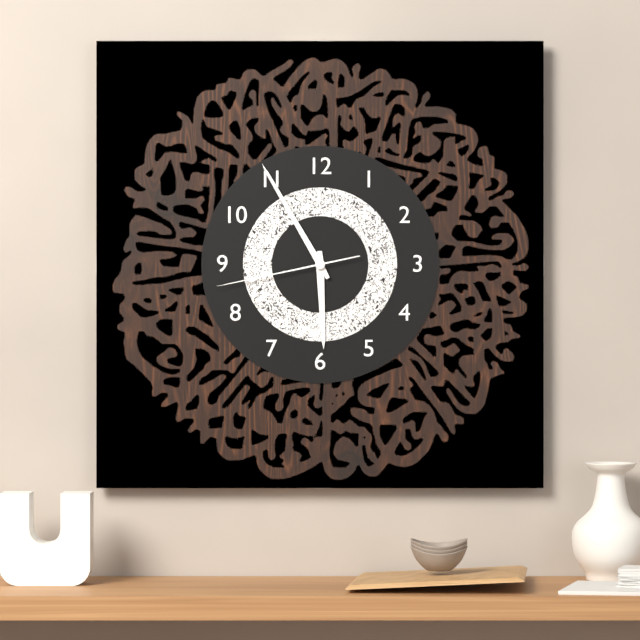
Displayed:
5:55:43
